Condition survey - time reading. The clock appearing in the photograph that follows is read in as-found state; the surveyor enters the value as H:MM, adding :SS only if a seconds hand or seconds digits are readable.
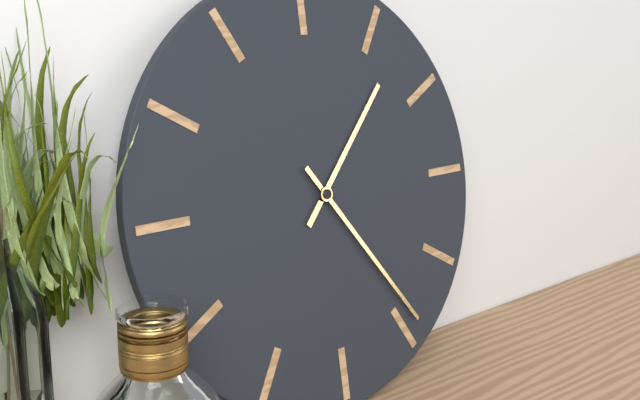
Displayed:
1:24
